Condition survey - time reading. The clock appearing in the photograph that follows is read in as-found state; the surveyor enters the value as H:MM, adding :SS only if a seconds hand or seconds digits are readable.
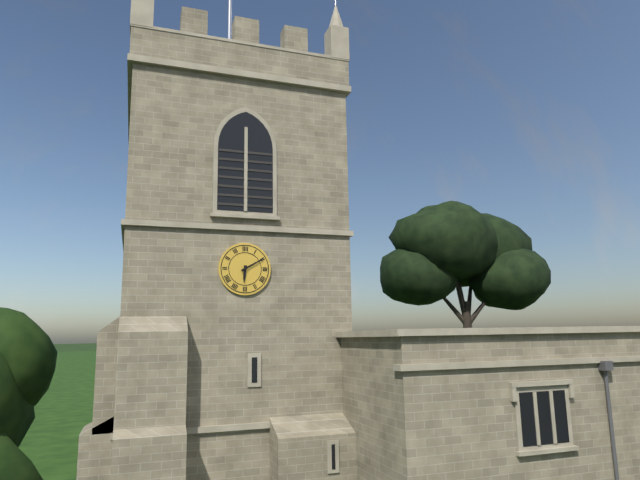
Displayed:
6:10
